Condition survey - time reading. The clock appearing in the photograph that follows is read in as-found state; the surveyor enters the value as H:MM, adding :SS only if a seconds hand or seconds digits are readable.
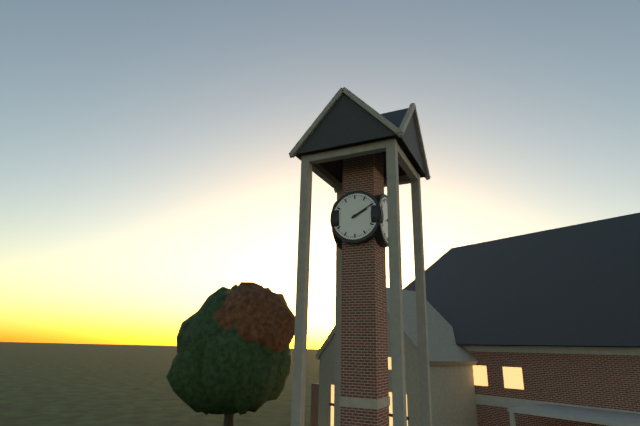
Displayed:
2:10
